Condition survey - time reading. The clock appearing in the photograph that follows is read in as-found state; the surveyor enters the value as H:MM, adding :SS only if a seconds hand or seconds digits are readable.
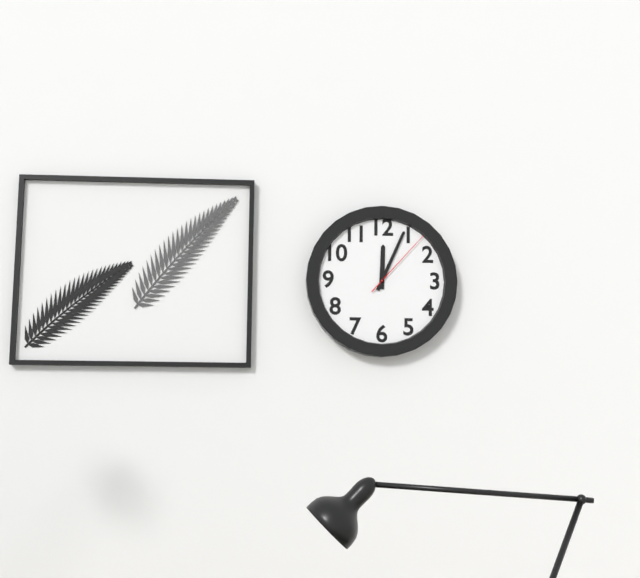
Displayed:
12:04:07
